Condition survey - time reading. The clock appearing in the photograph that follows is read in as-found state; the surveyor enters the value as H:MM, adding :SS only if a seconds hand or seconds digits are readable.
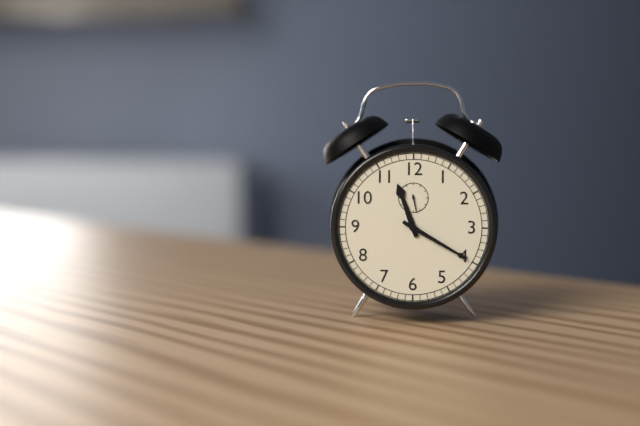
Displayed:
11:20
